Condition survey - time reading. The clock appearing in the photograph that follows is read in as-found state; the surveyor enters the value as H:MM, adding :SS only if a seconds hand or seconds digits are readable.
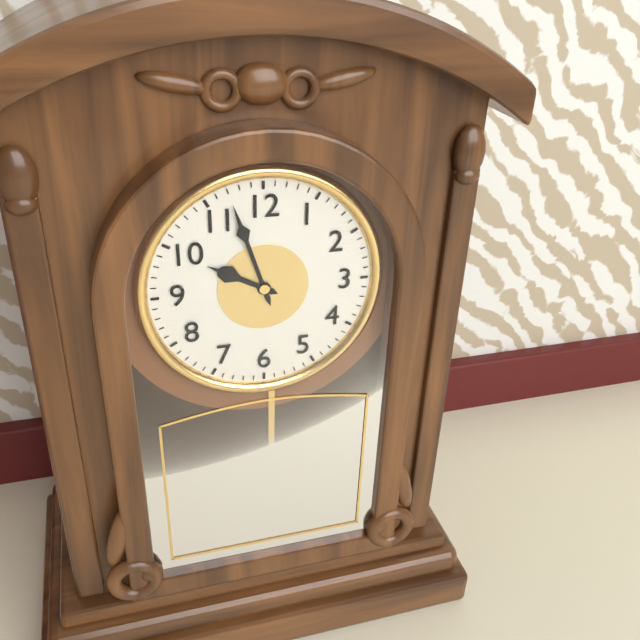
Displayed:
9:57
